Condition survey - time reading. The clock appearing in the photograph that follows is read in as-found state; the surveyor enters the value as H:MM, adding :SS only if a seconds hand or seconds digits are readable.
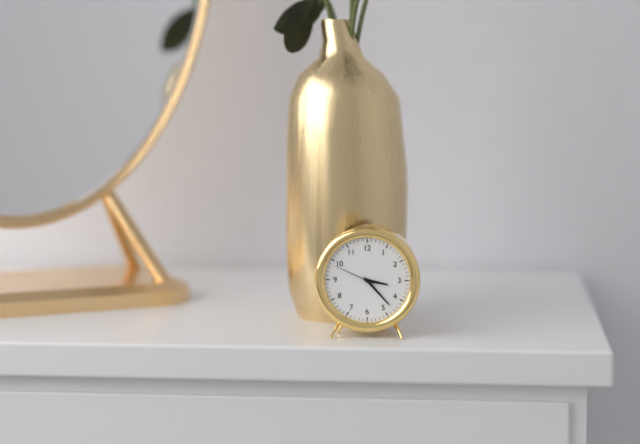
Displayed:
3:23
